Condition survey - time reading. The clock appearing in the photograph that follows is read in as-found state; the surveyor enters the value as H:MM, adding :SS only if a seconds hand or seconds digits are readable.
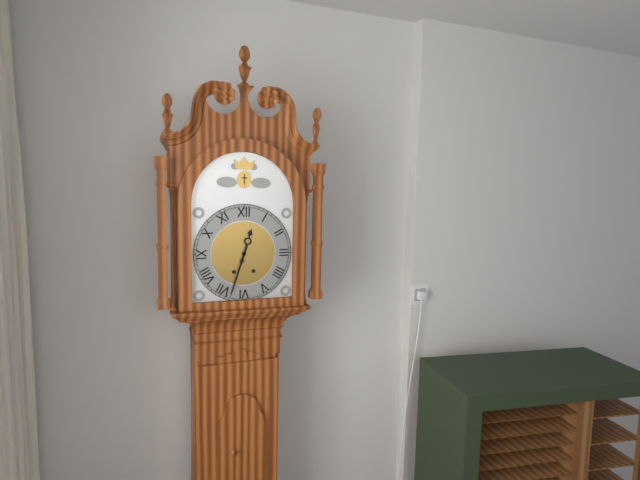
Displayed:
12:33
